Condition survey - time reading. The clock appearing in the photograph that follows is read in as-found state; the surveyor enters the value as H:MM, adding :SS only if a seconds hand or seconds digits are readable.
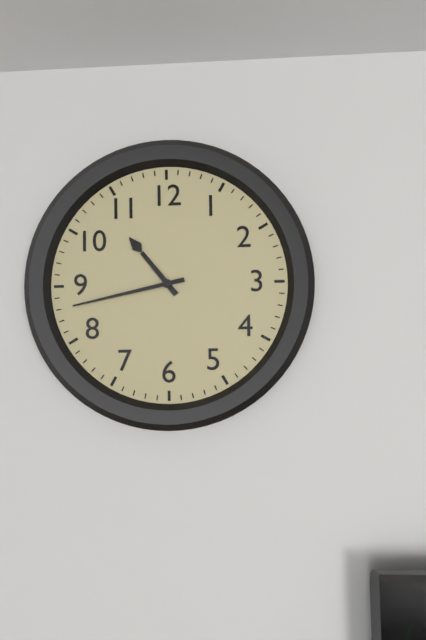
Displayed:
10:43
